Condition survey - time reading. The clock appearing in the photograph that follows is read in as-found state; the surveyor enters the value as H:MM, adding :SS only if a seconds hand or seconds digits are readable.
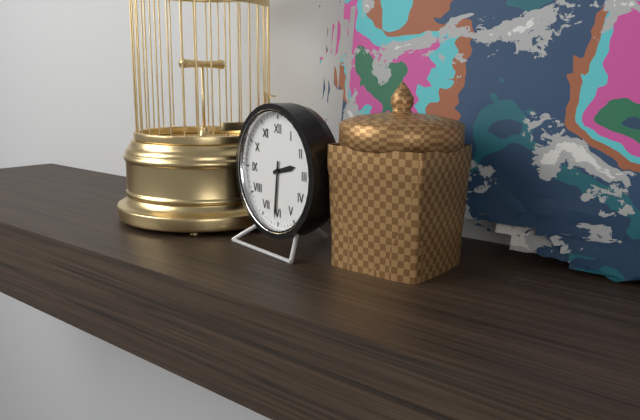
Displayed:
2:31
